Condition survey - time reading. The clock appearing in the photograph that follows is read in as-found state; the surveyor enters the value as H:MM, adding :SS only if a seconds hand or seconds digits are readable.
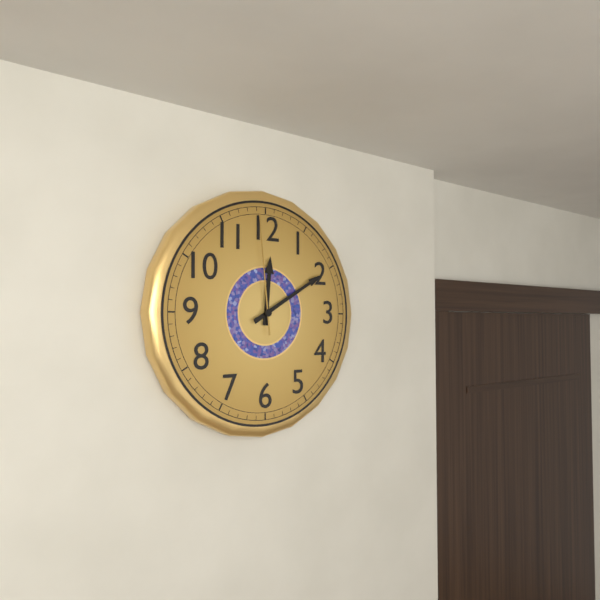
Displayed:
12:10:59
